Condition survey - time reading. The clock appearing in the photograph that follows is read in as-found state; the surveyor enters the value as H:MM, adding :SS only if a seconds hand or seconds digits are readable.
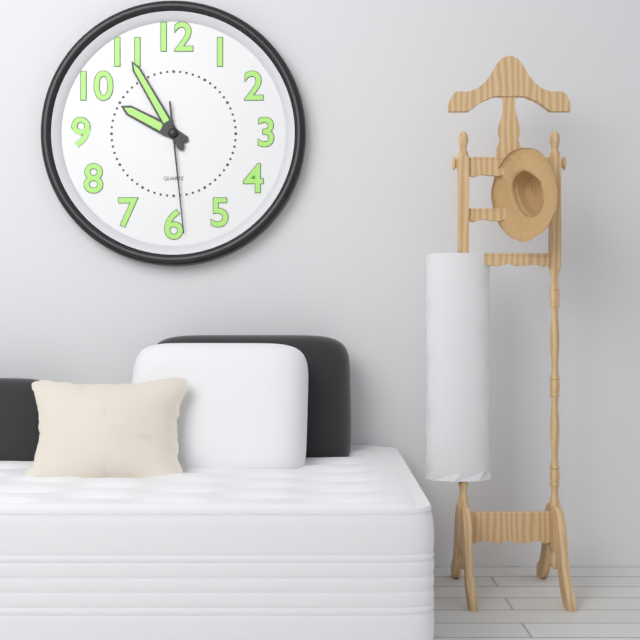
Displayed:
9:55:29
